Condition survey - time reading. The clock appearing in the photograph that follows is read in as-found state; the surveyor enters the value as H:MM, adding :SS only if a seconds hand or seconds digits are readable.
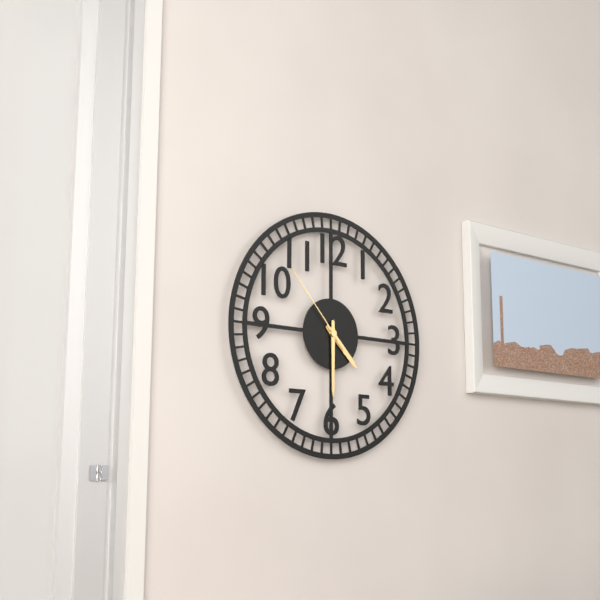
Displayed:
4:30:53
